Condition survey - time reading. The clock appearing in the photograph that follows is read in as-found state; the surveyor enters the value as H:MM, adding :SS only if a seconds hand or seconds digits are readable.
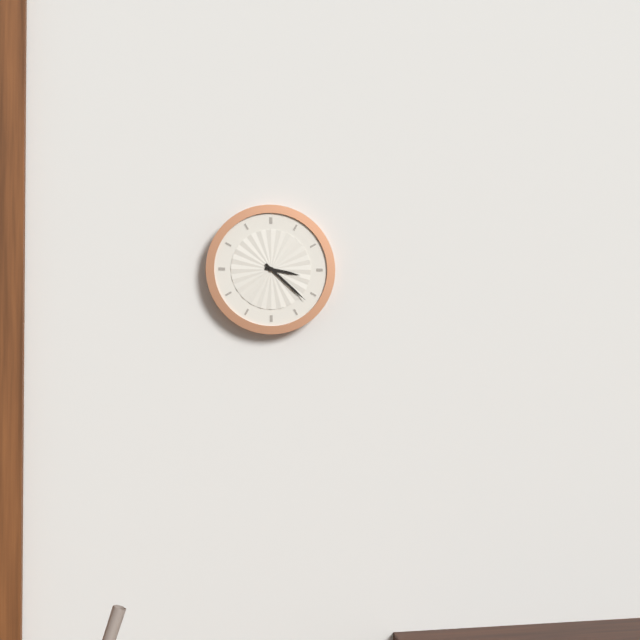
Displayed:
3:22
